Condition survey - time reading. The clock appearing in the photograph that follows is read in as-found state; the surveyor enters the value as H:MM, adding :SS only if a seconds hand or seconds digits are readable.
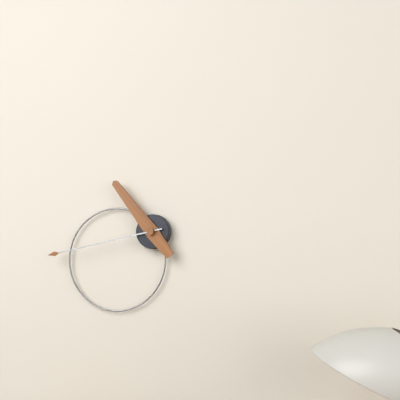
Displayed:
10:43
